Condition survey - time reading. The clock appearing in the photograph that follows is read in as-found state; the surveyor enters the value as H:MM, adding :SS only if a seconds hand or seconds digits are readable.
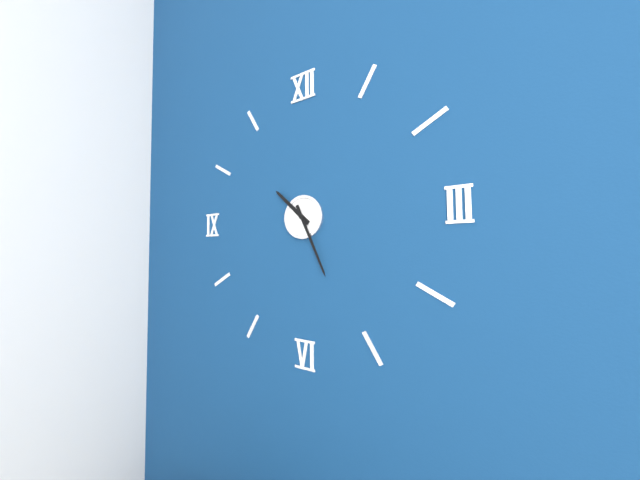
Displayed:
10:26
